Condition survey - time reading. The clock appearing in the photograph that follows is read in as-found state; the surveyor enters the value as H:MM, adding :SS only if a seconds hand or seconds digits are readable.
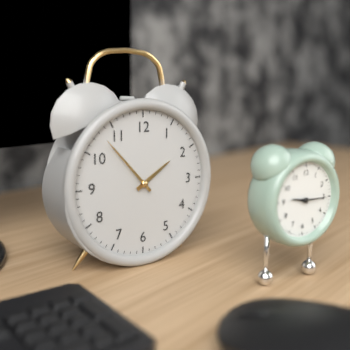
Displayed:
1:53
